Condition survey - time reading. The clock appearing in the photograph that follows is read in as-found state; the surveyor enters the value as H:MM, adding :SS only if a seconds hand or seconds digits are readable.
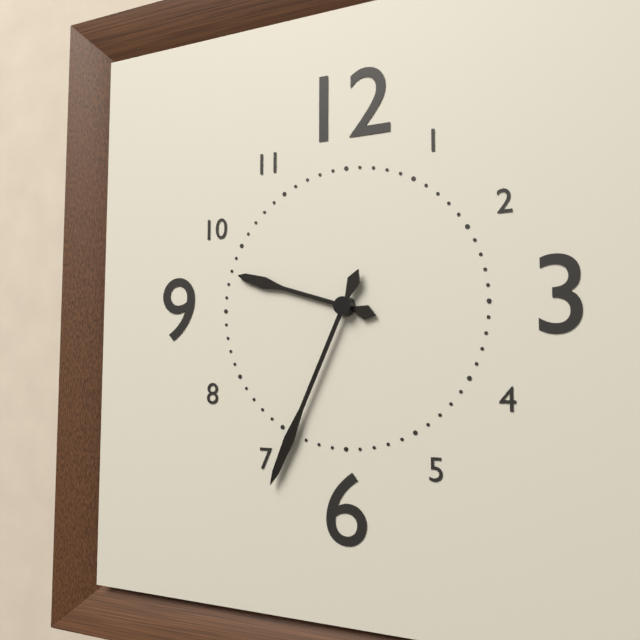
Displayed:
9:34
